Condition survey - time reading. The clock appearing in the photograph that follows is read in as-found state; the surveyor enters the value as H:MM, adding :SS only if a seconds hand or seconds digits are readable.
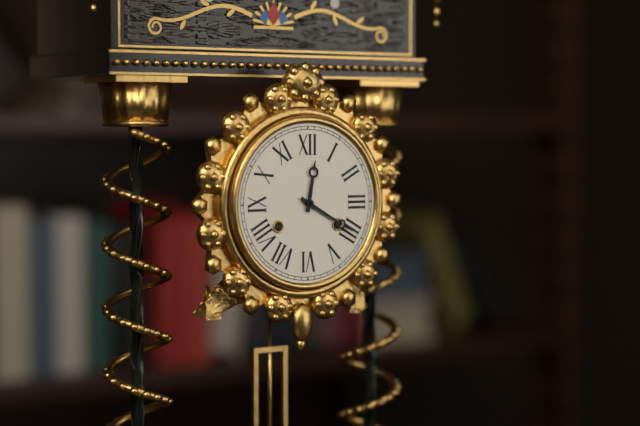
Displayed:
12:20
